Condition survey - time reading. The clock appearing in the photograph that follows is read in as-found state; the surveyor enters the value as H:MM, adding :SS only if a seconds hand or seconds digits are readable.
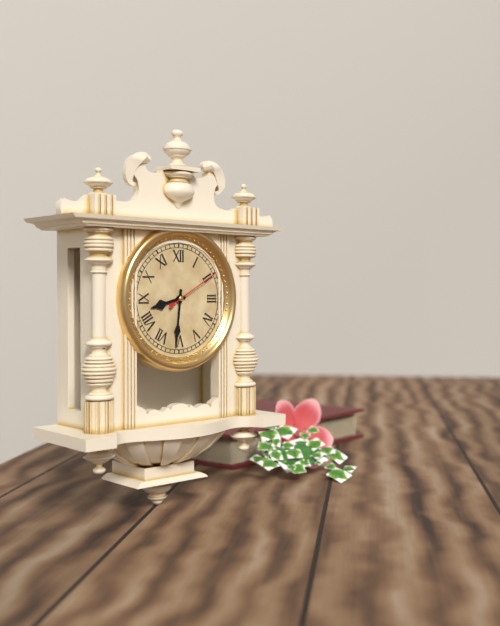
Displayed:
8:31:10
